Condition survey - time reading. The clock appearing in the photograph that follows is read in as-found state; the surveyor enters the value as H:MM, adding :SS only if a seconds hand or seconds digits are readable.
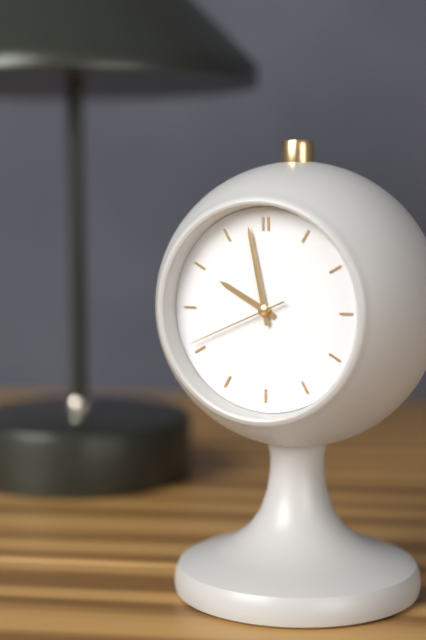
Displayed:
9:58:41
